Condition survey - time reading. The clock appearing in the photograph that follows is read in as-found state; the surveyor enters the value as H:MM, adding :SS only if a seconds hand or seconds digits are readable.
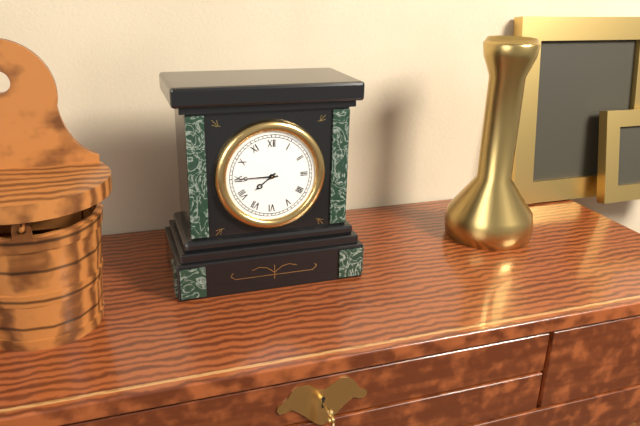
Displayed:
7:45
